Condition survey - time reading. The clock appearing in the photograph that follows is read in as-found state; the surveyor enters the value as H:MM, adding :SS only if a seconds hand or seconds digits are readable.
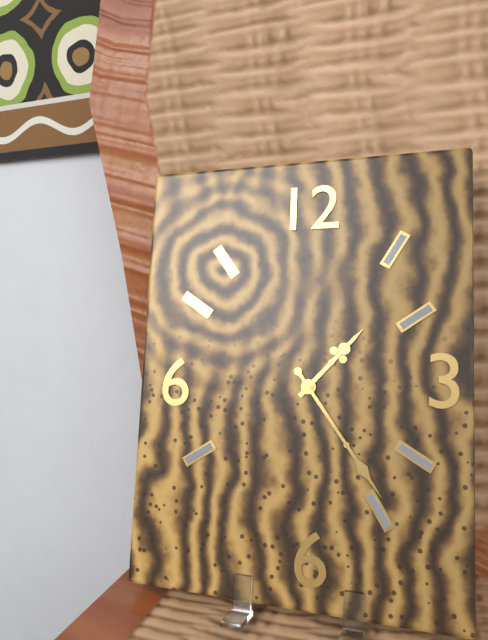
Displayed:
1:24
